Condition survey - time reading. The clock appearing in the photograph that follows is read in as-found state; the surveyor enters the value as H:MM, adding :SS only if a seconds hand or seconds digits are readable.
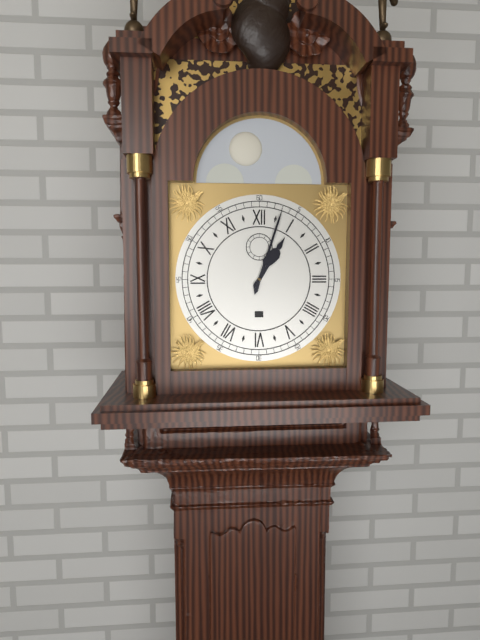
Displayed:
1:03
